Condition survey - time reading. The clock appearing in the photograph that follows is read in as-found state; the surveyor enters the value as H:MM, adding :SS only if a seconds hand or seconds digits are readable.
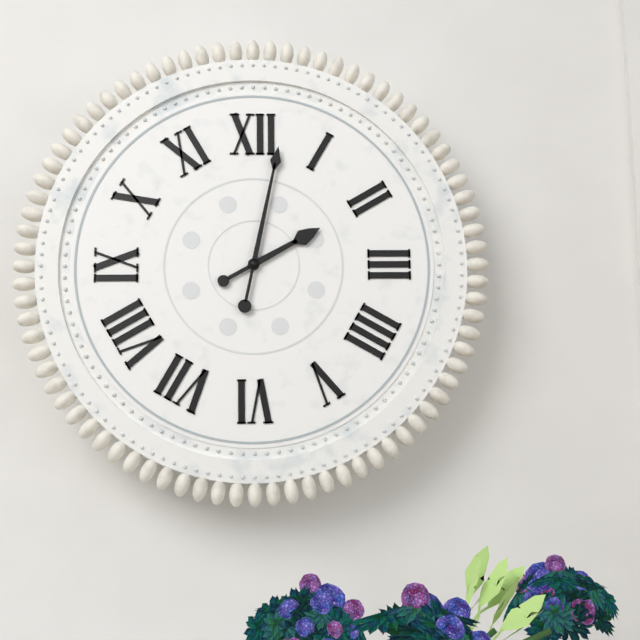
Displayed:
2:02
